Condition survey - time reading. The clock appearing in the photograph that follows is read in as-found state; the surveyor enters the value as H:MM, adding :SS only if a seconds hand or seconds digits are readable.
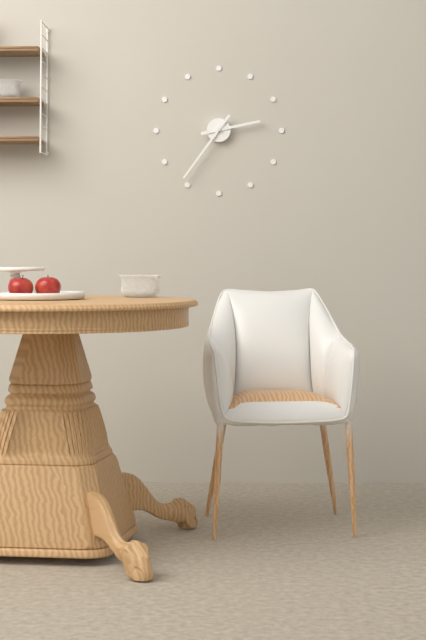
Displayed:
2:36
